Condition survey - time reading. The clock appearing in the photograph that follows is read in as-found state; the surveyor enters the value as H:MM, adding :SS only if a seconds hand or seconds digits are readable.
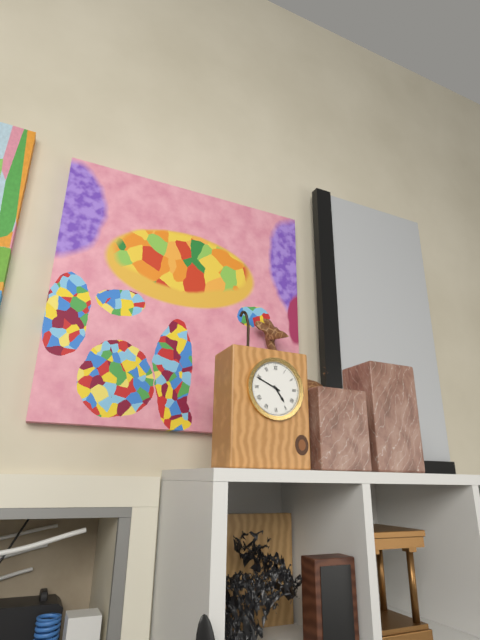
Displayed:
4:49
